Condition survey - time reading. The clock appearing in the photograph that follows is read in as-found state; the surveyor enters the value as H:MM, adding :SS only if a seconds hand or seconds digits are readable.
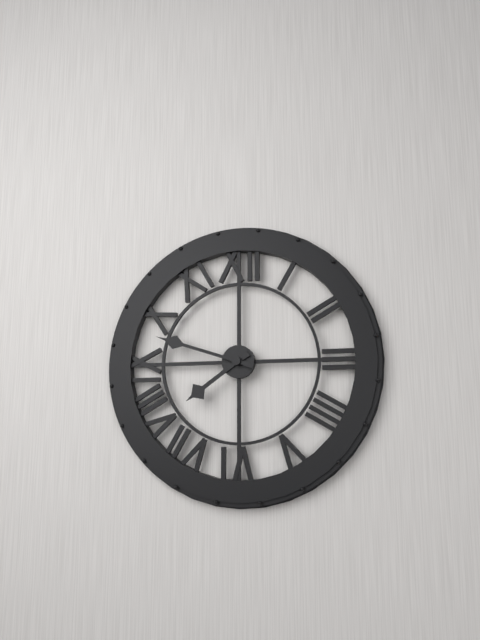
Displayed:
7:48
